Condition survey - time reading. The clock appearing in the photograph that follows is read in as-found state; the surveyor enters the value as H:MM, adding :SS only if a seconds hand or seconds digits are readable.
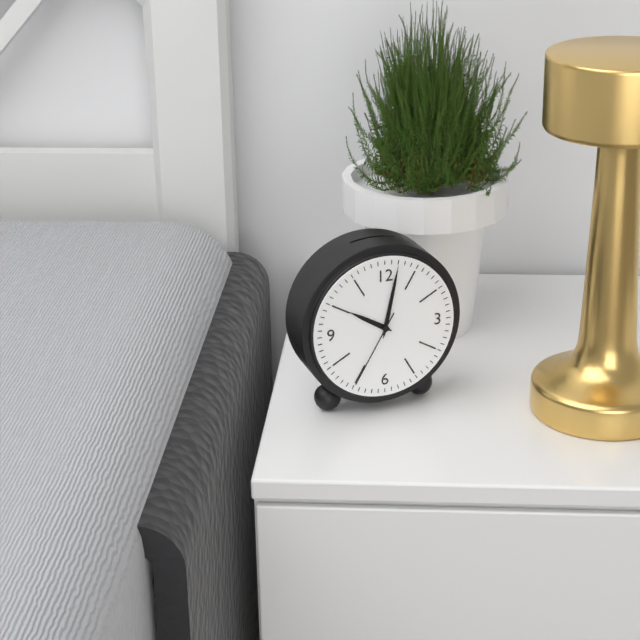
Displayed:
10:02:35
